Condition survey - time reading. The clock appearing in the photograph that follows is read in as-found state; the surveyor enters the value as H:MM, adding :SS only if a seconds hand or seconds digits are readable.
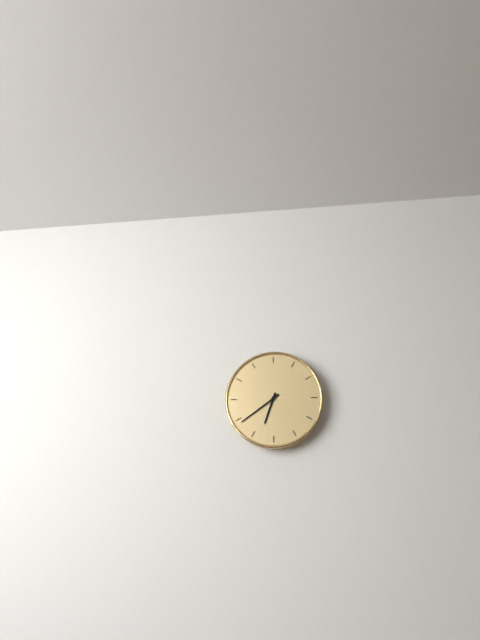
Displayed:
6:39
